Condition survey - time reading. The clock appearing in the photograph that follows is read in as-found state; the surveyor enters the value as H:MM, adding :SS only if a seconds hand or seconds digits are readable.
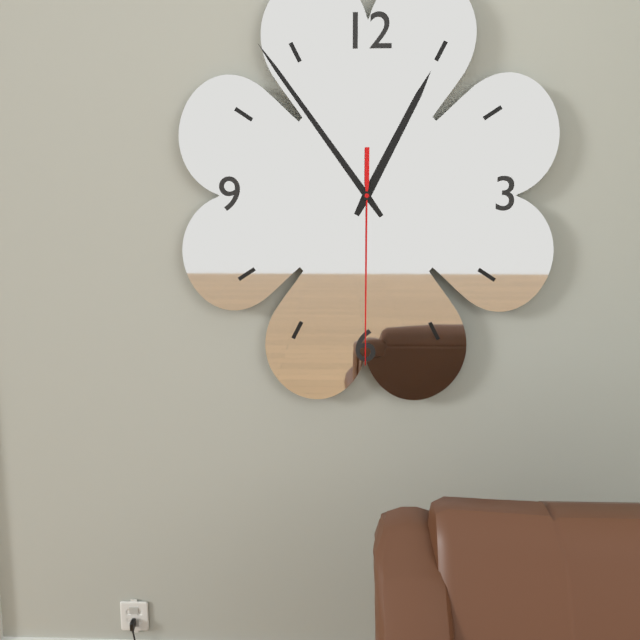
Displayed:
12:54:30
